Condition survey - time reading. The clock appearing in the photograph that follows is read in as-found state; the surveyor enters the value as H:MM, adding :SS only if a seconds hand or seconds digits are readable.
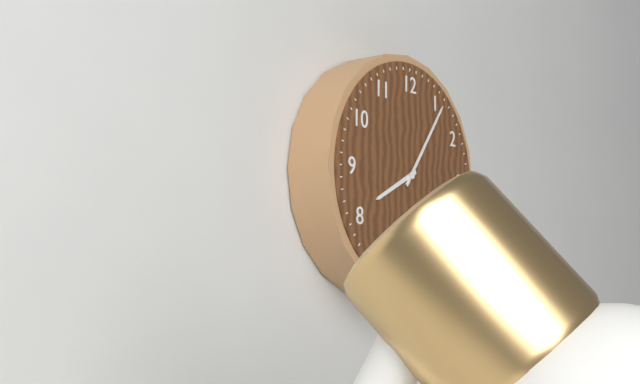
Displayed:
8:06
